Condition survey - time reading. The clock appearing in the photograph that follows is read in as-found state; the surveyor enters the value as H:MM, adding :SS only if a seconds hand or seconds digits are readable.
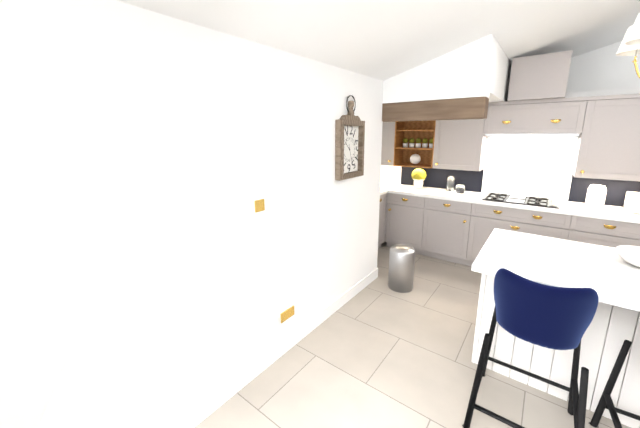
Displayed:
10:27
